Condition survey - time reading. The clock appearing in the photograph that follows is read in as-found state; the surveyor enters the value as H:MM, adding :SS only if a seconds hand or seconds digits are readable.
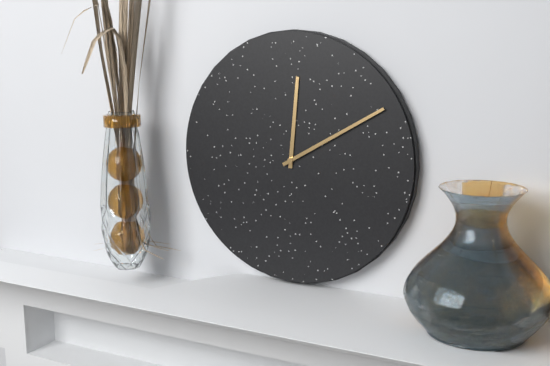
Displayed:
12:10
